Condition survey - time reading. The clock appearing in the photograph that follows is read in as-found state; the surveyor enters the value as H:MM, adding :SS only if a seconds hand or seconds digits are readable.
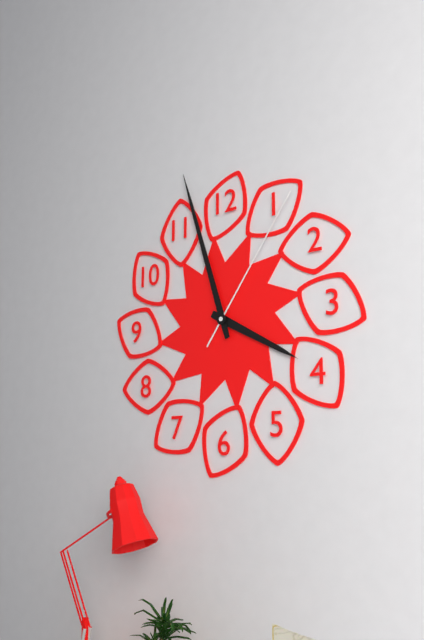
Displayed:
3:57:06
